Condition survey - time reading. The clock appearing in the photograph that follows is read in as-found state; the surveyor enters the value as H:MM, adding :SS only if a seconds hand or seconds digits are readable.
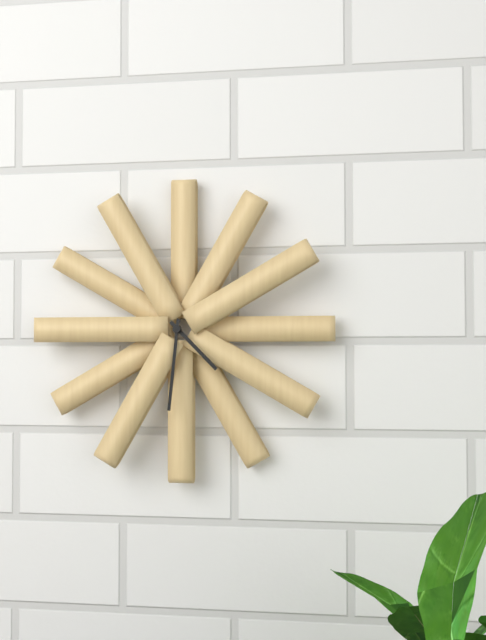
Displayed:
4:31
